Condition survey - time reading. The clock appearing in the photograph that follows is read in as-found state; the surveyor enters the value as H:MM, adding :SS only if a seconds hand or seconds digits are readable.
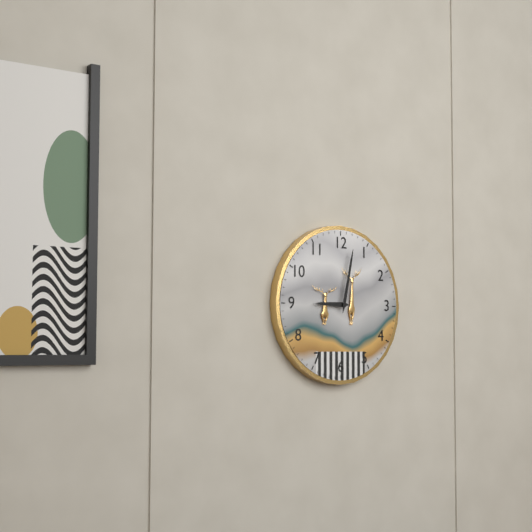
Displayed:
9:02
